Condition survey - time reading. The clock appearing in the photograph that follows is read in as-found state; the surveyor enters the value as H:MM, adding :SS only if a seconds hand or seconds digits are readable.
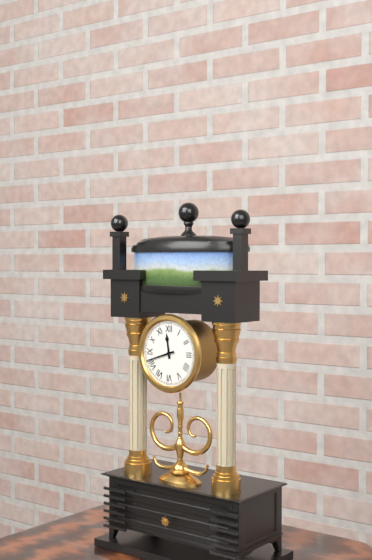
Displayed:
11:42
